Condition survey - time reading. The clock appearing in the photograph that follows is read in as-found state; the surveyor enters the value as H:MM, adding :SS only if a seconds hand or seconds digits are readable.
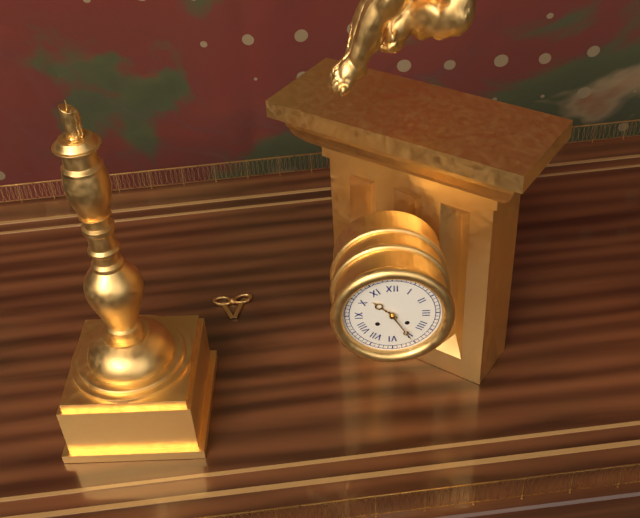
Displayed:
10:25
